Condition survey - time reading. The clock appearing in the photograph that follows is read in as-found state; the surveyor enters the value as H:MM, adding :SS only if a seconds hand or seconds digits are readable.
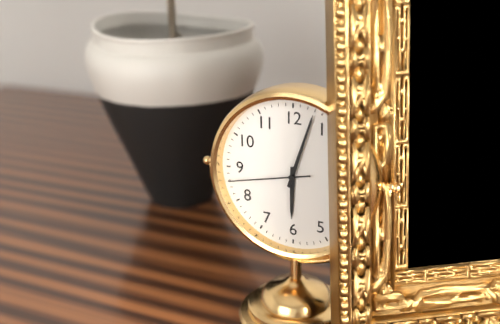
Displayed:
6:03:43
